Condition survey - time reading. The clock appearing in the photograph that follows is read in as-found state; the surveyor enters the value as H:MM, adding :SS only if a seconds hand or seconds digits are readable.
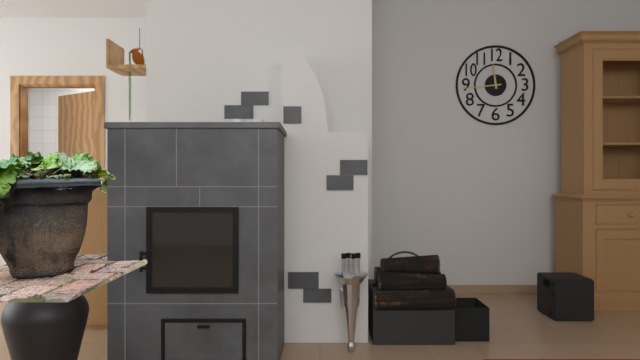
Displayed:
11:44
